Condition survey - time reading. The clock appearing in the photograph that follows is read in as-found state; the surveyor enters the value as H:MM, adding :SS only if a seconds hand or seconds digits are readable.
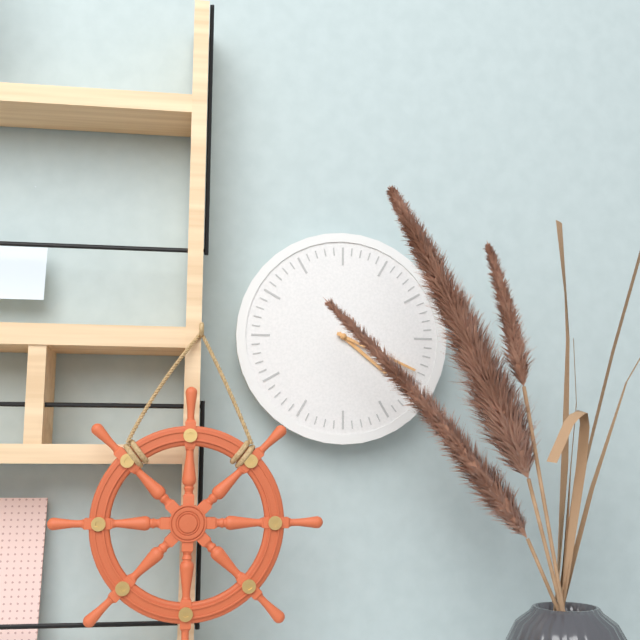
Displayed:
4:19
